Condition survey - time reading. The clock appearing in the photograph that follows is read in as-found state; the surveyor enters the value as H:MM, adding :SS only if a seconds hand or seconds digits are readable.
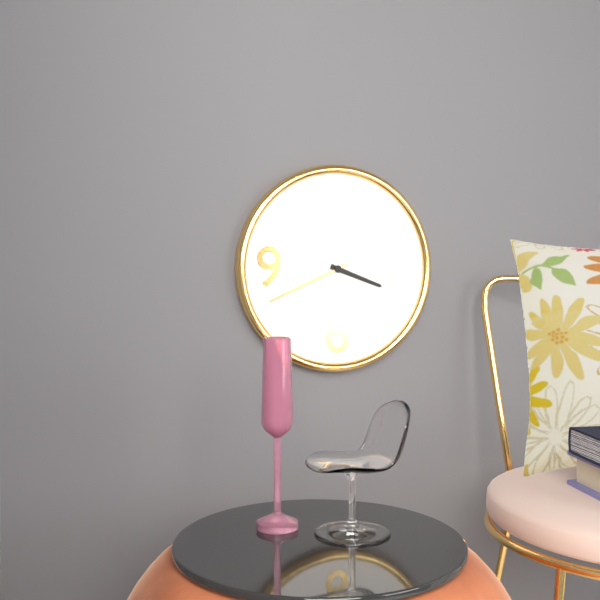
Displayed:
3:41
